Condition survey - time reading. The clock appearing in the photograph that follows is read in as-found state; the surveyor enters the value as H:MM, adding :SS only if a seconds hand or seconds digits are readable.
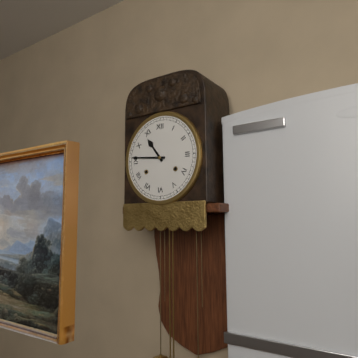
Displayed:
10:46
